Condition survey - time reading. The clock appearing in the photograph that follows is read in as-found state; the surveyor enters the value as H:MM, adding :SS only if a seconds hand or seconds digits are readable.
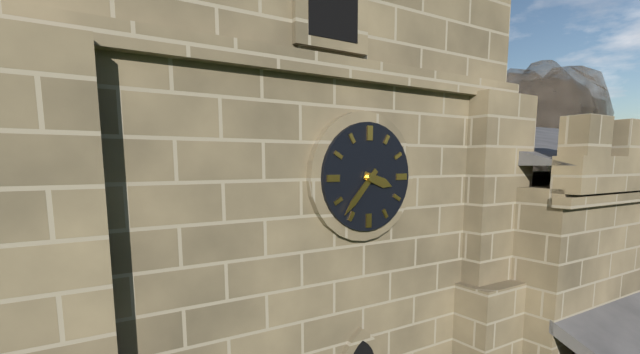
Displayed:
3:37
